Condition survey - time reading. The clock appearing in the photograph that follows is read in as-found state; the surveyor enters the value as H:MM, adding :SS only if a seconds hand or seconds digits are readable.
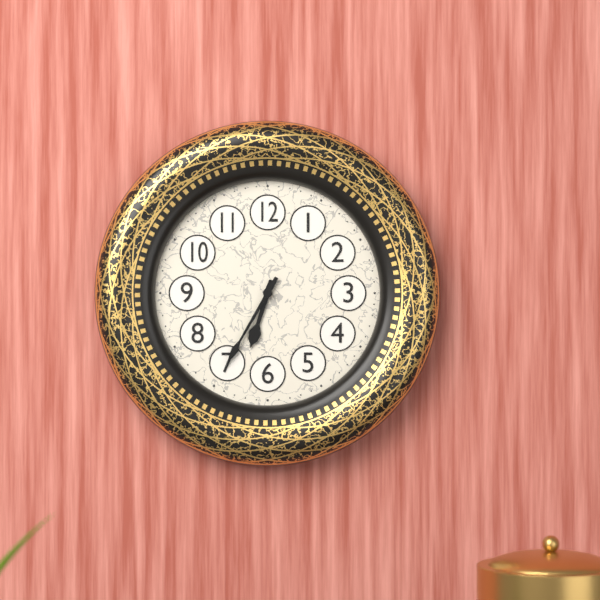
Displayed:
6:35
